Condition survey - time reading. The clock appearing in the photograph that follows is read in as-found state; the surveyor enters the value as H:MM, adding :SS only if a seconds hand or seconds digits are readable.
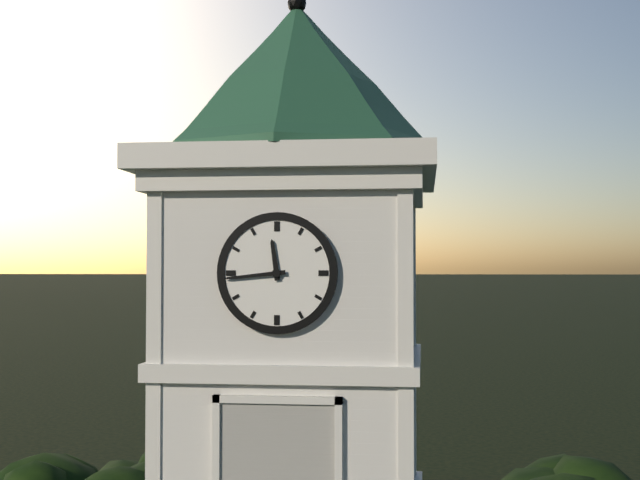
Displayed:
11:44
